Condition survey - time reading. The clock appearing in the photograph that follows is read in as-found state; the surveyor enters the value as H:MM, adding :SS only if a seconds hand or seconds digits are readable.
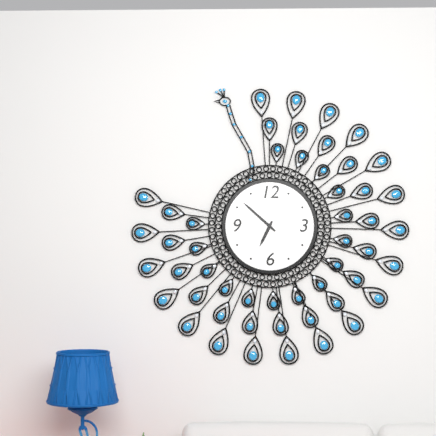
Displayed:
6:52
